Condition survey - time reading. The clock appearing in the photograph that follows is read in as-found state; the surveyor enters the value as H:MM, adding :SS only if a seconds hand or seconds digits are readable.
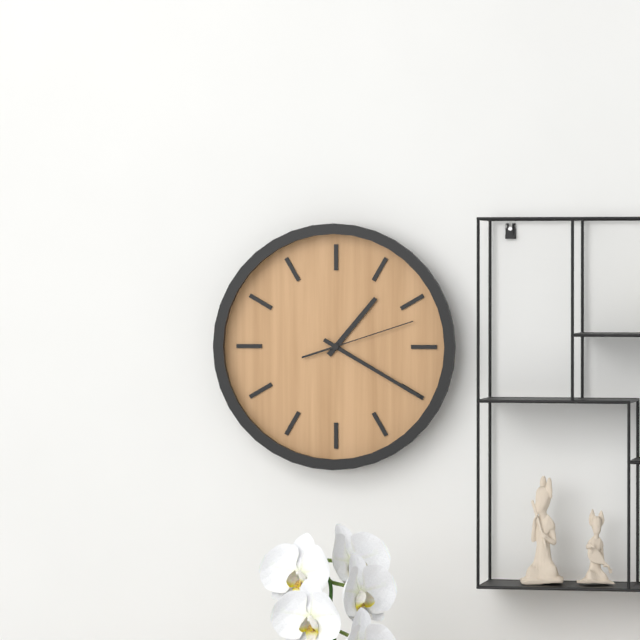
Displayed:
1:20:12
